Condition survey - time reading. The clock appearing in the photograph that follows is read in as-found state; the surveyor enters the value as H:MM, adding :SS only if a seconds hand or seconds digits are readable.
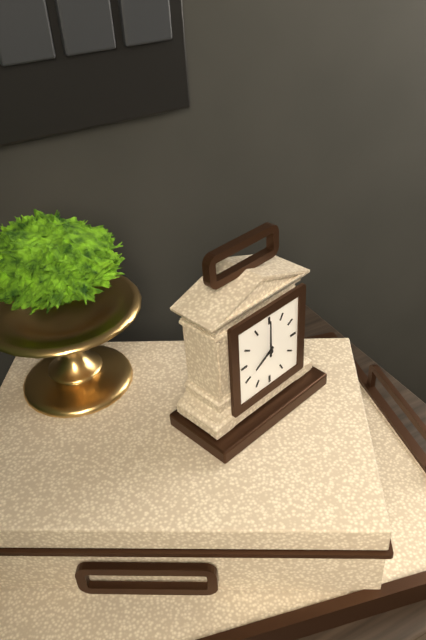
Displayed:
8:00
